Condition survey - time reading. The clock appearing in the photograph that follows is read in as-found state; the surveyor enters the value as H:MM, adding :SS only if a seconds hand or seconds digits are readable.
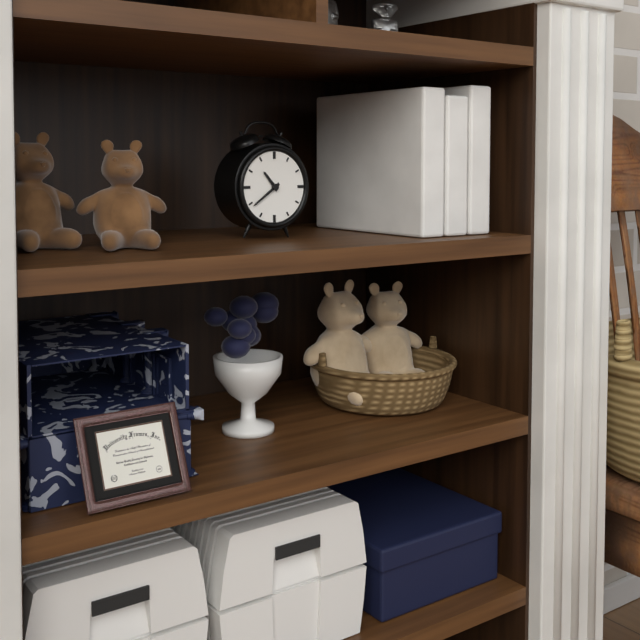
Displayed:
10:39
